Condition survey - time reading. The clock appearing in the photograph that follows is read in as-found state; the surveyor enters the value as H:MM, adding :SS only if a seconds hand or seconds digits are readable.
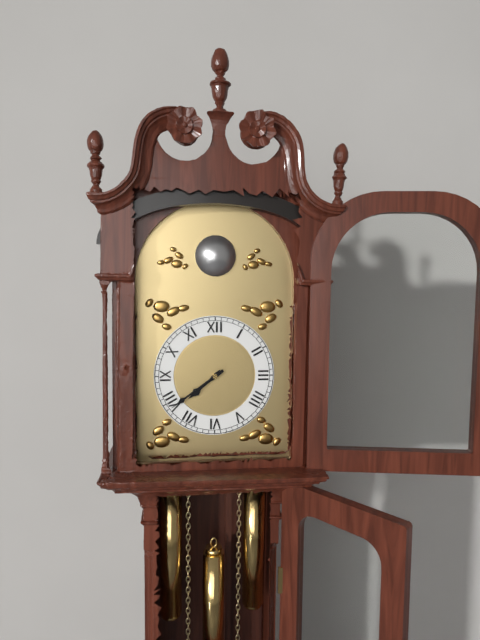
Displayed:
7:39
